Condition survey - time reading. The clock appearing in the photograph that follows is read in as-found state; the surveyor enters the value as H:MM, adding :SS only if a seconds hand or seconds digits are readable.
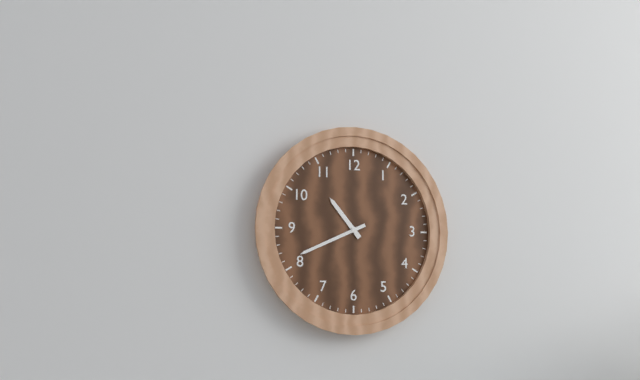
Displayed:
10:41
